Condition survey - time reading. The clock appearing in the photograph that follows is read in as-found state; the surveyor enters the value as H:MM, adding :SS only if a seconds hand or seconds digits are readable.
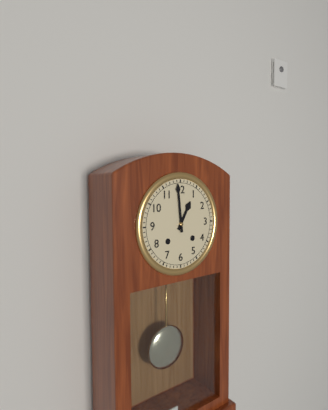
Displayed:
12:59
